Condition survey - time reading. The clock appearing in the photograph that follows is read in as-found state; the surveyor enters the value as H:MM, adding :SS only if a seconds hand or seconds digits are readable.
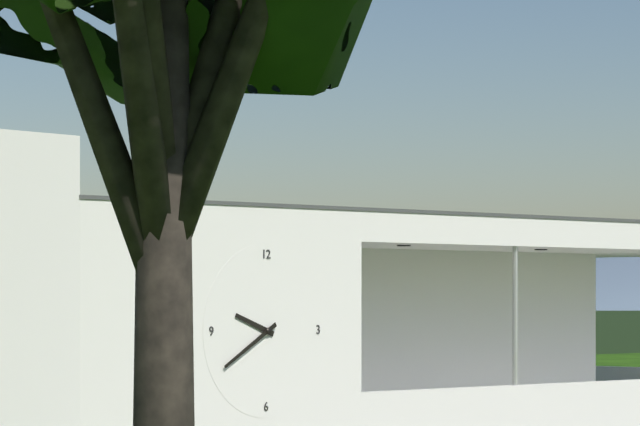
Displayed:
9:40
